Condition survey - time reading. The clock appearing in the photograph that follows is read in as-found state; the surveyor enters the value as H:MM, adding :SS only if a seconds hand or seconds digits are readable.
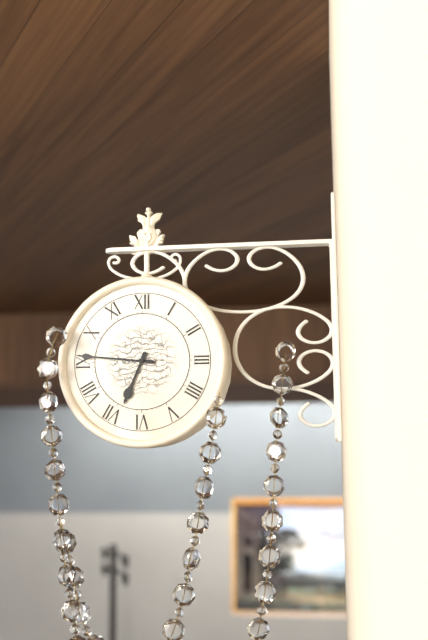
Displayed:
6:46
